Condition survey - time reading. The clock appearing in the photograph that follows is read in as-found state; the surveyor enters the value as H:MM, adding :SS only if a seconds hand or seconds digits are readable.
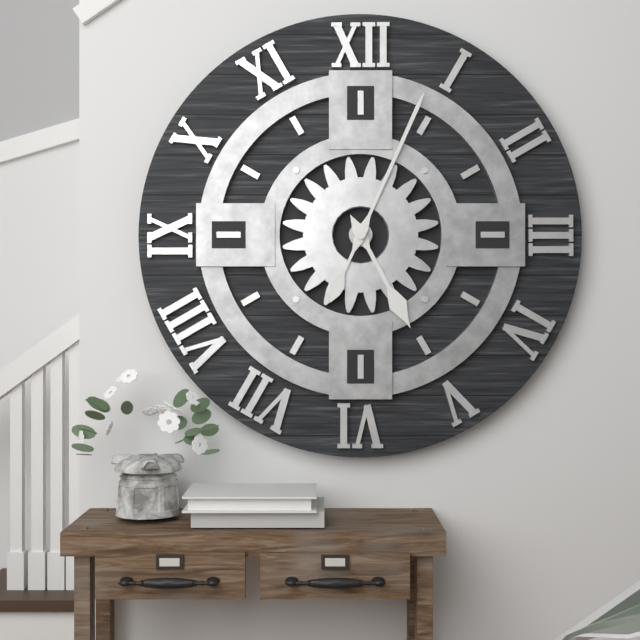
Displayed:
5:04
